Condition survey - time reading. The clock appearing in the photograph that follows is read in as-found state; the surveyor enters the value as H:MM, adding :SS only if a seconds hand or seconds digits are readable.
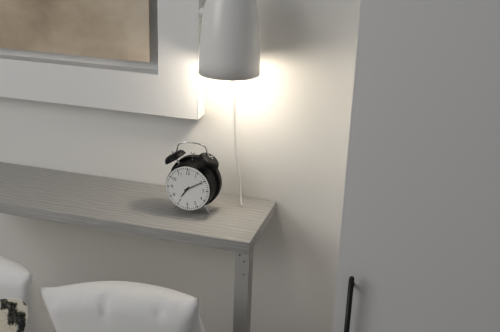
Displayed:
7:10
